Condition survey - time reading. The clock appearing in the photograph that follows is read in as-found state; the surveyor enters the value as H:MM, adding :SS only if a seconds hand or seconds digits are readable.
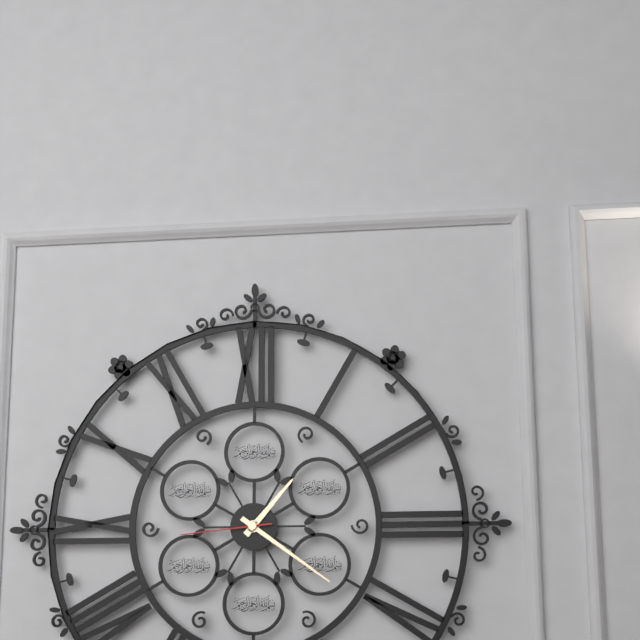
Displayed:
1:21:44
